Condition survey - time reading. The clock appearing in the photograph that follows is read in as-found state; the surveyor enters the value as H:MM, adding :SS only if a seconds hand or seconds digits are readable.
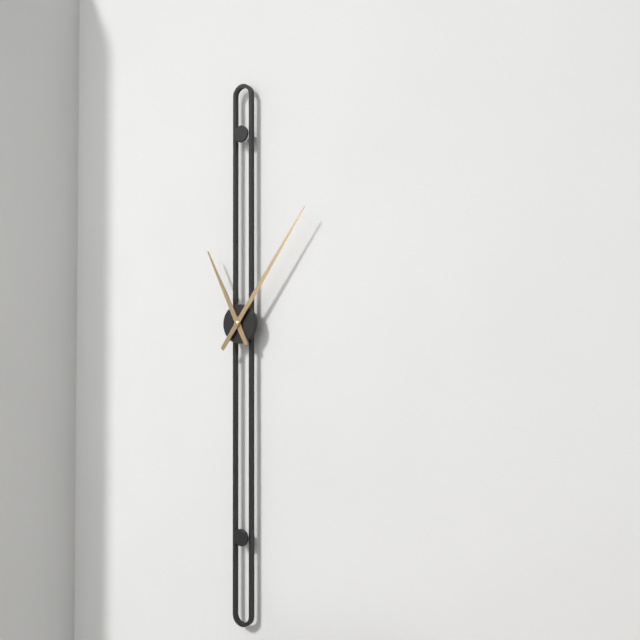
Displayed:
11:06
